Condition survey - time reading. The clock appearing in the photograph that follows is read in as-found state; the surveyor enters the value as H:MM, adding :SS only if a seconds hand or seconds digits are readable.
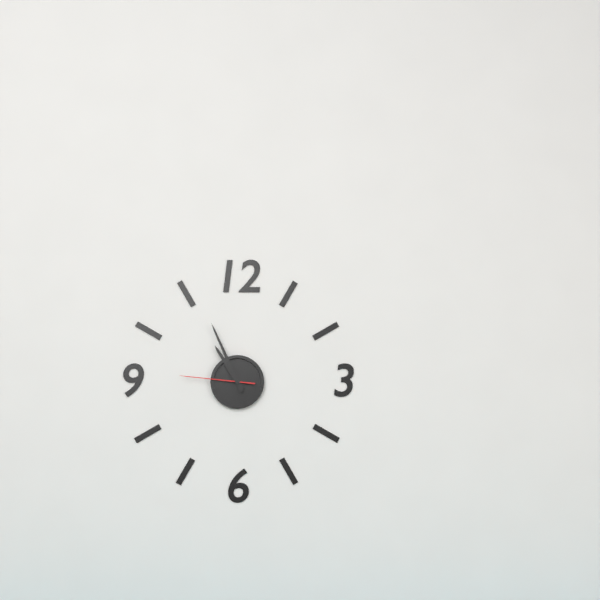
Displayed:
10:56:46
